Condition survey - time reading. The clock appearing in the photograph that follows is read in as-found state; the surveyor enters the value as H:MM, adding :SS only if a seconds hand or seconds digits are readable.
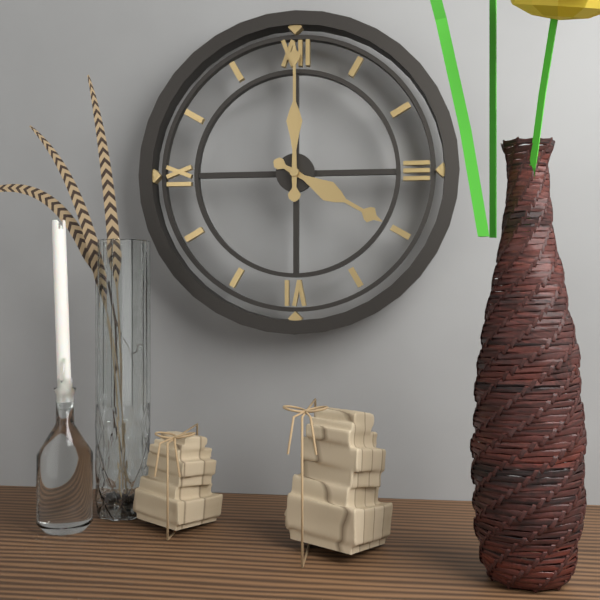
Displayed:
4:00
